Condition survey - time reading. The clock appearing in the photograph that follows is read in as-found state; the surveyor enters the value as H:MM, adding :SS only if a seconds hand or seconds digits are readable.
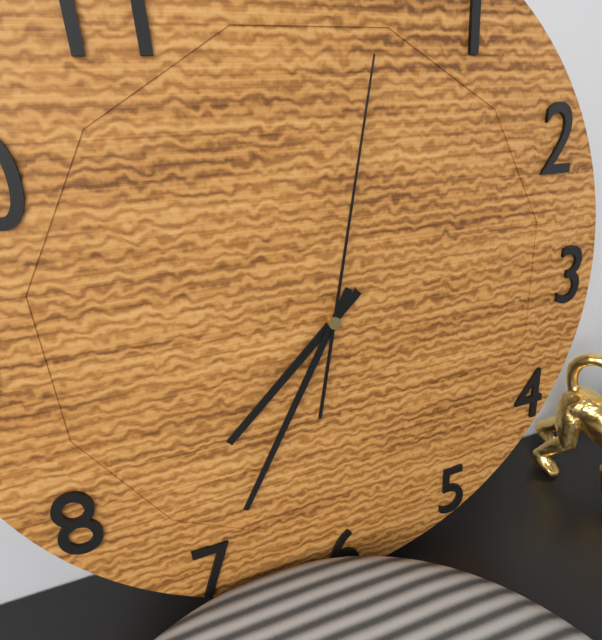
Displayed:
7:35:02
